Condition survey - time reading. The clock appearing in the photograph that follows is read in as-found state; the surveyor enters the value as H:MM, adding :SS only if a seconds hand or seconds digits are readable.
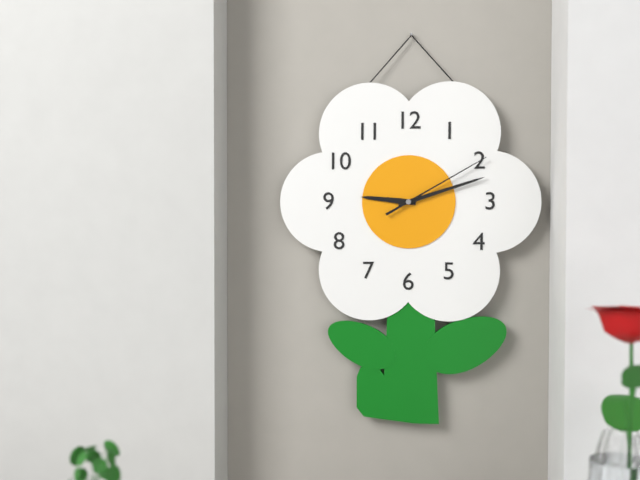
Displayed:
9:12:10
